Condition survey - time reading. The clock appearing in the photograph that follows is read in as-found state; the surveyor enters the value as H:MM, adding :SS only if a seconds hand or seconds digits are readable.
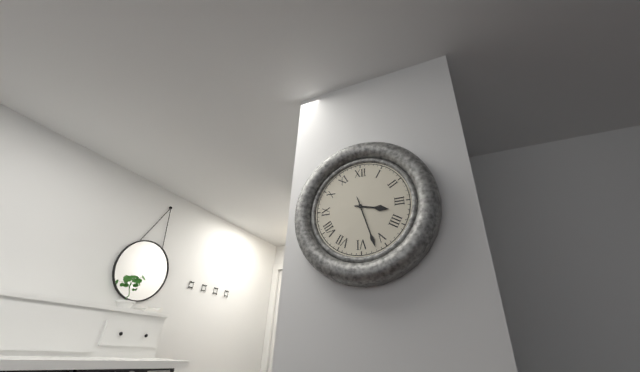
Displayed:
3:27
